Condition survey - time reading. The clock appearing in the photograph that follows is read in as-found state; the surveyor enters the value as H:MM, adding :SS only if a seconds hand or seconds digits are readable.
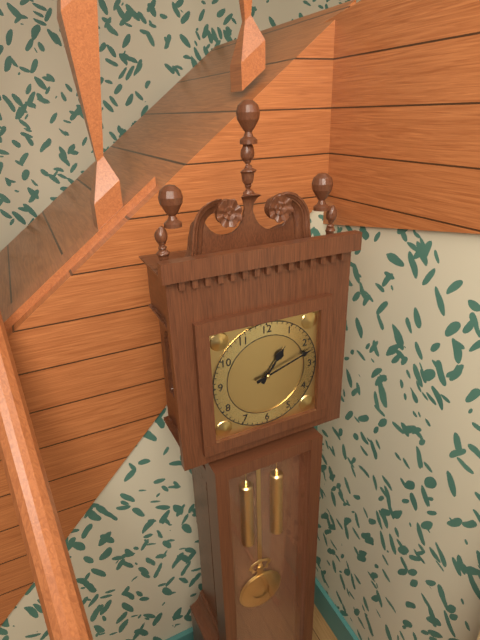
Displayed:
1:12
